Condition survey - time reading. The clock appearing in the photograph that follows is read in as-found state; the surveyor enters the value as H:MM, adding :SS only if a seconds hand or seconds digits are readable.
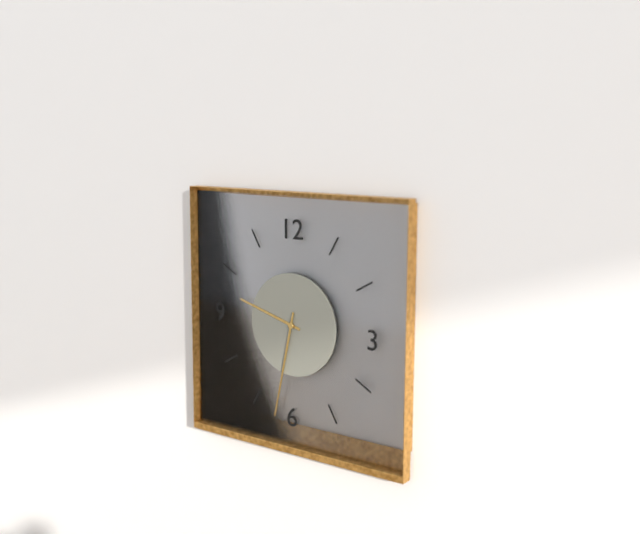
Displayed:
9:32
